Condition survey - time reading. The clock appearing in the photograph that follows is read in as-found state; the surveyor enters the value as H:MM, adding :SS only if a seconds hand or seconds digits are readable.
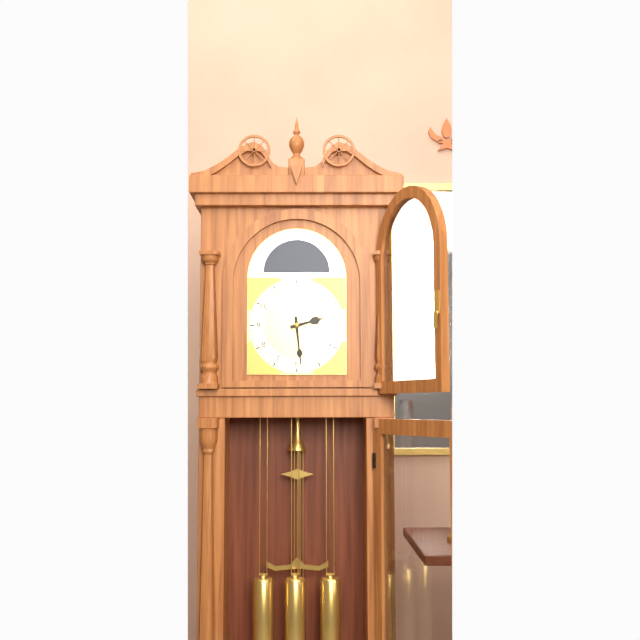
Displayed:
2:29
